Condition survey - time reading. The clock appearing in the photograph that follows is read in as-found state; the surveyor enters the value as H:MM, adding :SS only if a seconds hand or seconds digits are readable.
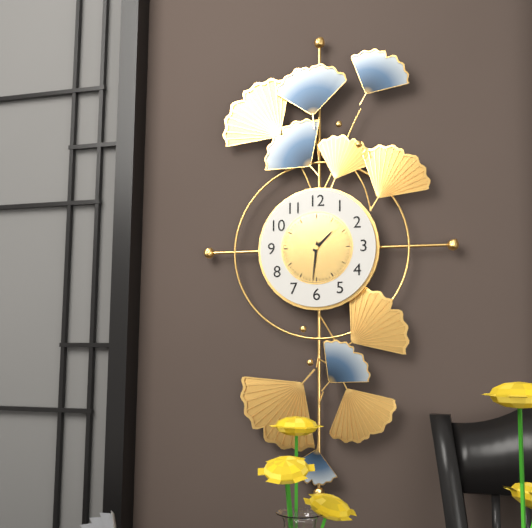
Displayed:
1:31
